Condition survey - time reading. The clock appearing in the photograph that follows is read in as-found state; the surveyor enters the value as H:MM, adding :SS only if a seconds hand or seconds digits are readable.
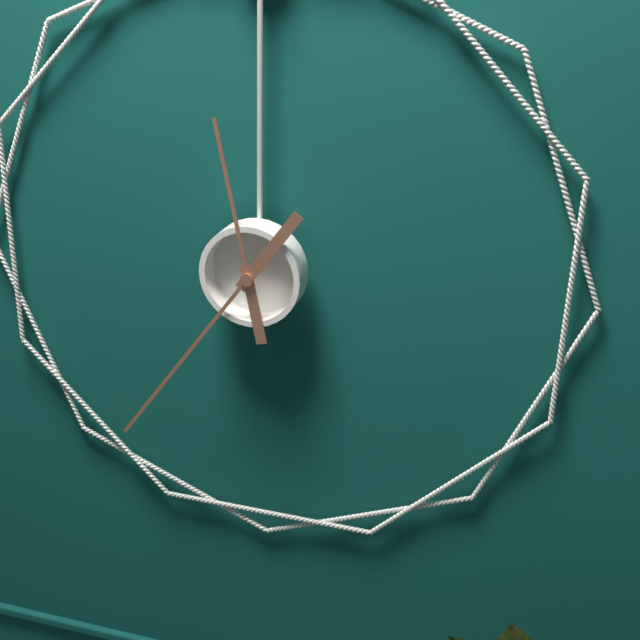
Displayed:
11:36
